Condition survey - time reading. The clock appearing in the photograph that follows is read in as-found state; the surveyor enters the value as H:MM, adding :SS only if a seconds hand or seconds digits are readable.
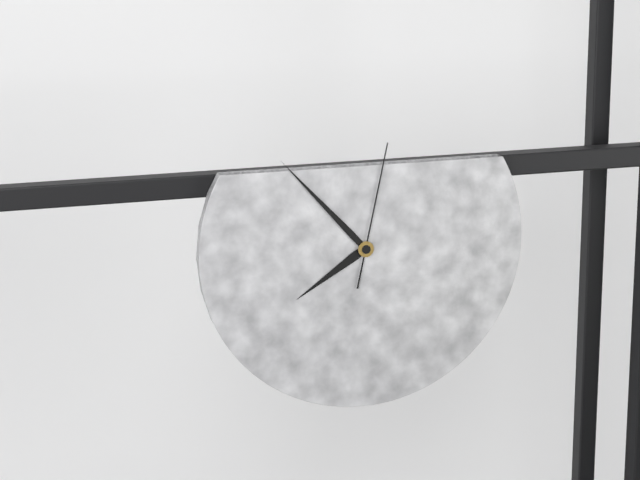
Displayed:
7:53:02
